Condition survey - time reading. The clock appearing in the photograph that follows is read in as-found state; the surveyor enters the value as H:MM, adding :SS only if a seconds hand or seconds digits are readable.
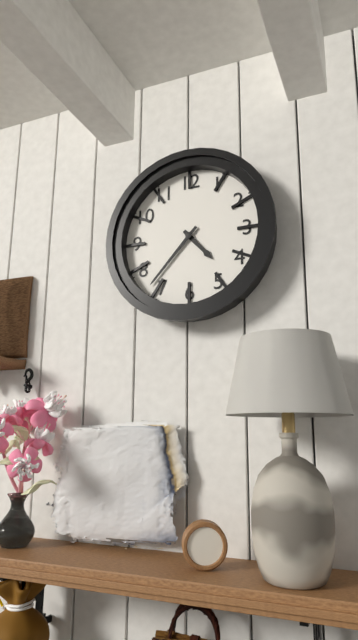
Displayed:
4:37
